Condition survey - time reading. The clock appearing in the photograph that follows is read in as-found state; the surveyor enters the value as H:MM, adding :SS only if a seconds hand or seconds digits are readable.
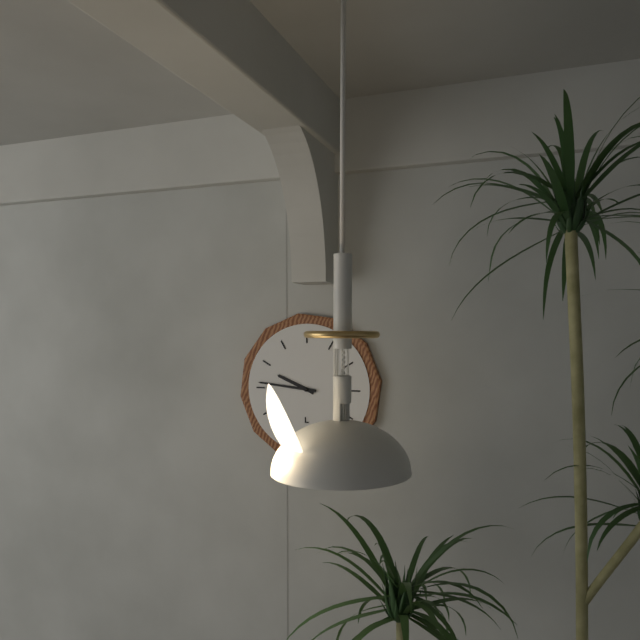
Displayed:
9:46
